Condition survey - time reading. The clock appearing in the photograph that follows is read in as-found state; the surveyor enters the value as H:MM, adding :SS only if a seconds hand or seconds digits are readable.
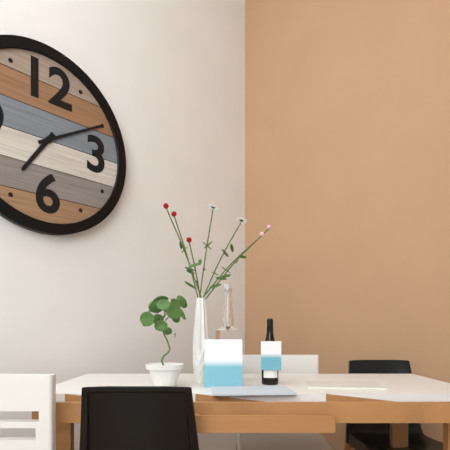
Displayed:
7:10
